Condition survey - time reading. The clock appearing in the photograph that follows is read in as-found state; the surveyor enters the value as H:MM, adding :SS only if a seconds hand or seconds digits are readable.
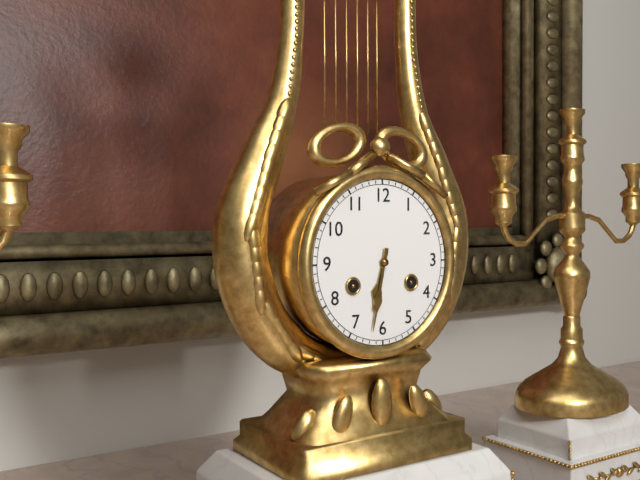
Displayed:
6:32
